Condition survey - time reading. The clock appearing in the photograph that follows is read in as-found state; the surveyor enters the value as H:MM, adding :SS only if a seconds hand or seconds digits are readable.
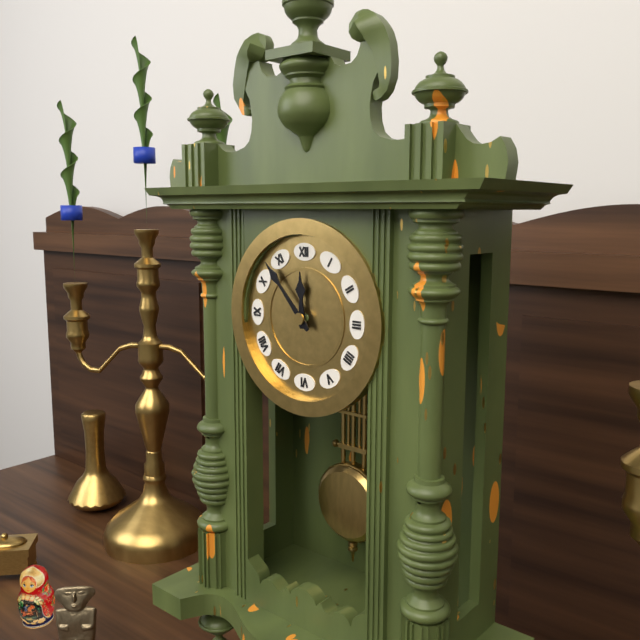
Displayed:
11:53
